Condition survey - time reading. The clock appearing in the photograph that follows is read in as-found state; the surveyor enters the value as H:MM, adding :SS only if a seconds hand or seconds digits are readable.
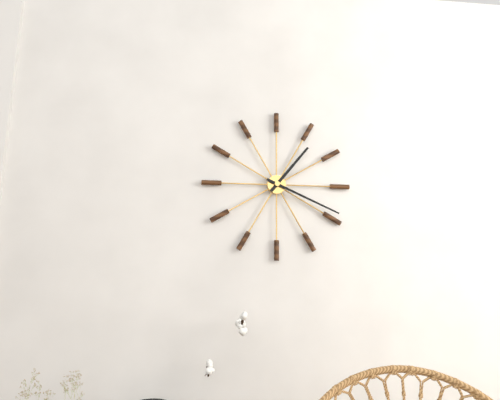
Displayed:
1:19
